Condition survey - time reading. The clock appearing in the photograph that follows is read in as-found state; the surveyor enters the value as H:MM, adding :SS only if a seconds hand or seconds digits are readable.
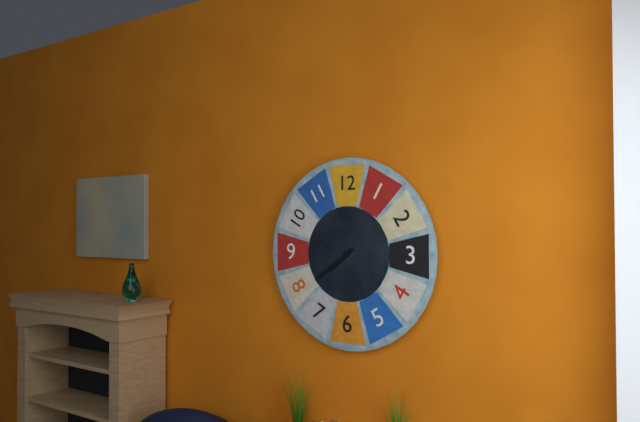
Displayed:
7:39
